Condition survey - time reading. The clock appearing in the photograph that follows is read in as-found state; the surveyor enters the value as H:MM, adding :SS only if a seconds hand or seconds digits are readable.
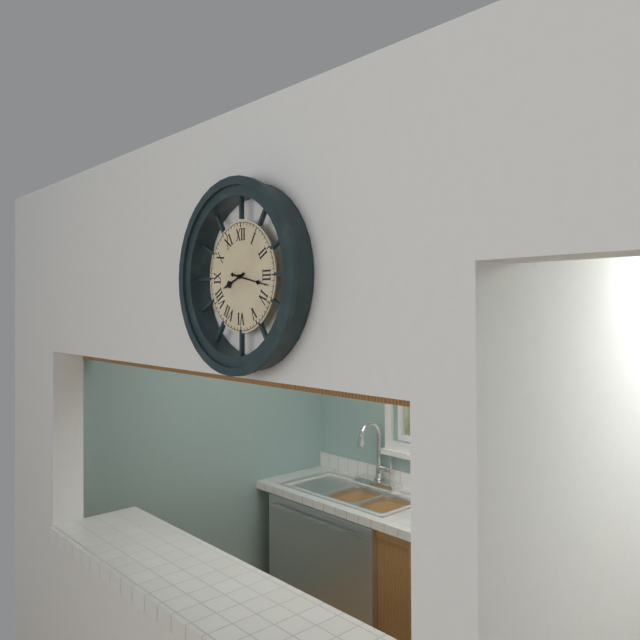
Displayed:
8:17
